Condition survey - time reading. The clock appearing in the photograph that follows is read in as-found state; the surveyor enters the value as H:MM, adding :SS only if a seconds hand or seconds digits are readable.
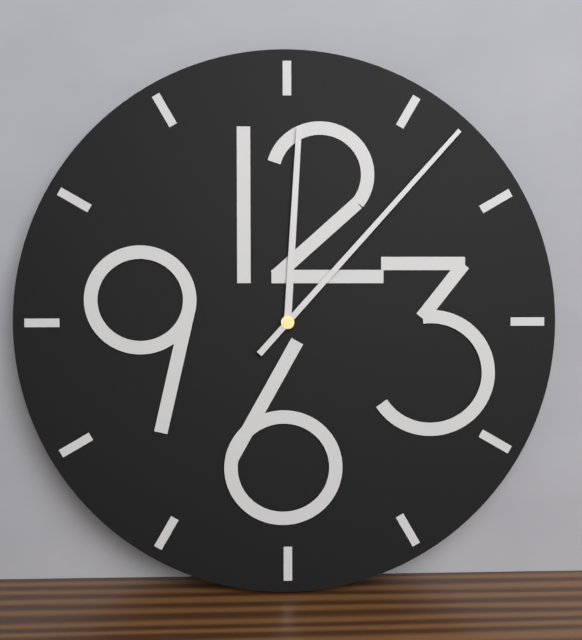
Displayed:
12:07
